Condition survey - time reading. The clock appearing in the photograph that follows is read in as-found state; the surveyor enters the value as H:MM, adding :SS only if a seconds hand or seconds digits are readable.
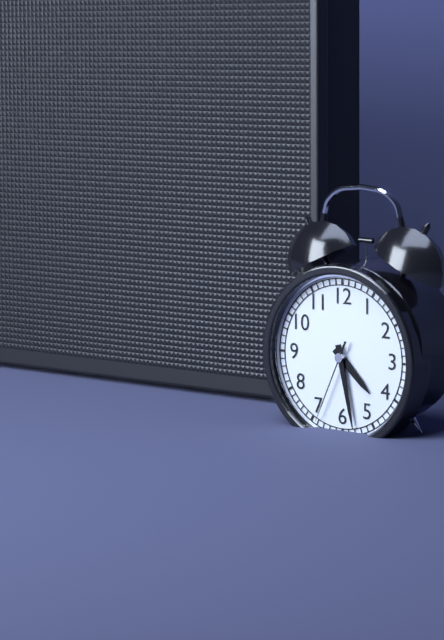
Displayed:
4:28:34
